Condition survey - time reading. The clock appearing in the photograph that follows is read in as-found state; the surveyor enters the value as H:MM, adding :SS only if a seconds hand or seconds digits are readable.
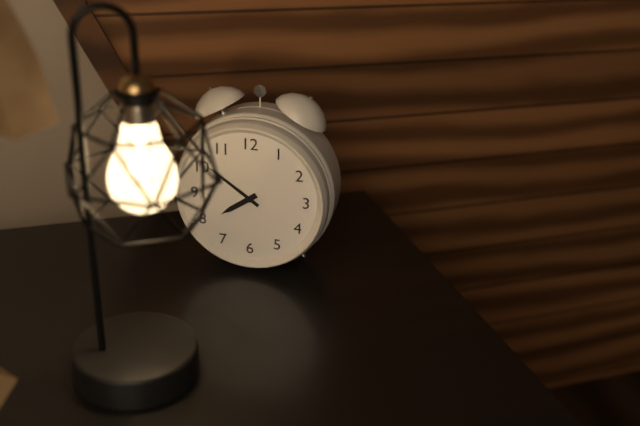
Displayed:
7:51
